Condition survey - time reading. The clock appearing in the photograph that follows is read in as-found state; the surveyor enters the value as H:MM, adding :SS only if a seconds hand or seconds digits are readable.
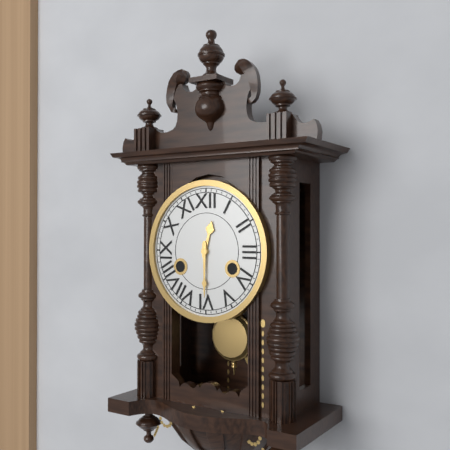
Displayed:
12:30
